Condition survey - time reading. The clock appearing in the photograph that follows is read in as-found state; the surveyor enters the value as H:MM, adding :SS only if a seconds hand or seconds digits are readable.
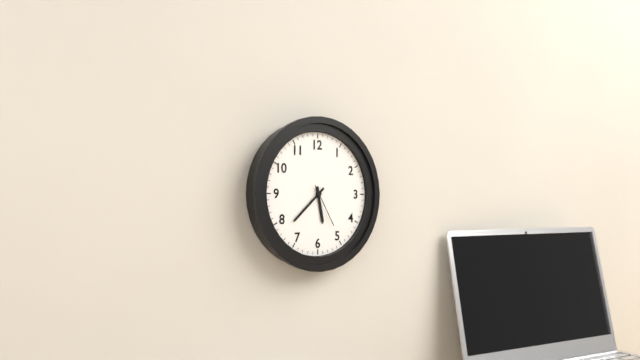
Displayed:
5:38
